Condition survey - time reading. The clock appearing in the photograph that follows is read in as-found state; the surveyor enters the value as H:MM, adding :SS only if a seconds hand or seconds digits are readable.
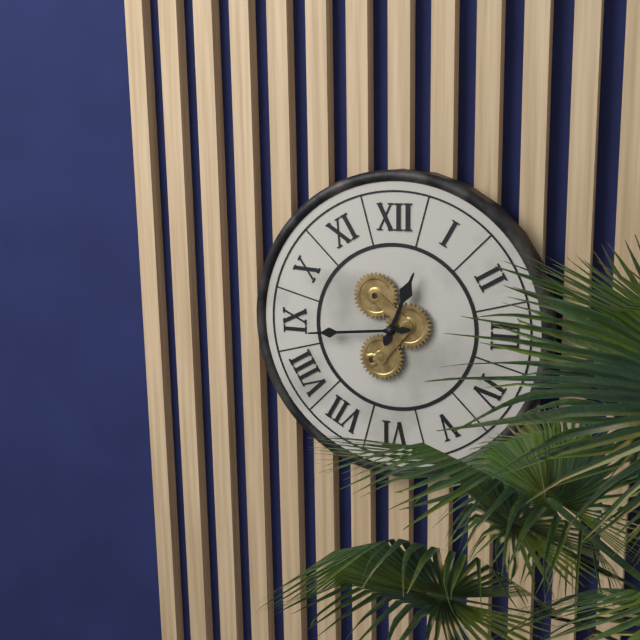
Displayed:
12:44
